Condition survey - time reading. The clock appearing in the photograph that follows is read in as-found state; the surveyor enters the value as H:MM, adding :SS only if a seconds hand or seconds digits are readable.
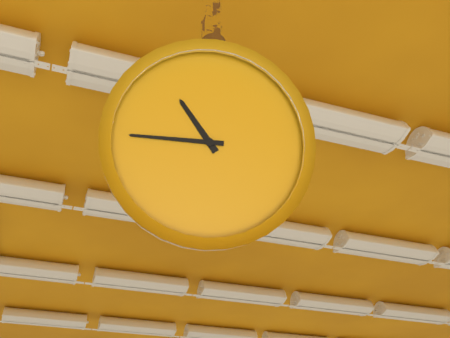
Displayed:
10:45
